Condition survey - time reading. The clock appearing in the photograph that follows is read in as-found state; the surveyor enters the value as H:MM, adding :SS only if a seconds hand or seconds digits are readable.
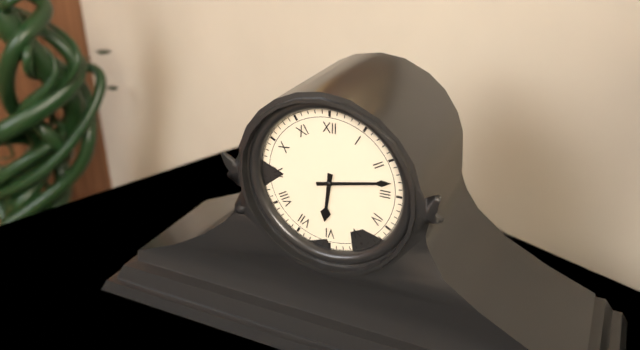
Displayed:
6:13
